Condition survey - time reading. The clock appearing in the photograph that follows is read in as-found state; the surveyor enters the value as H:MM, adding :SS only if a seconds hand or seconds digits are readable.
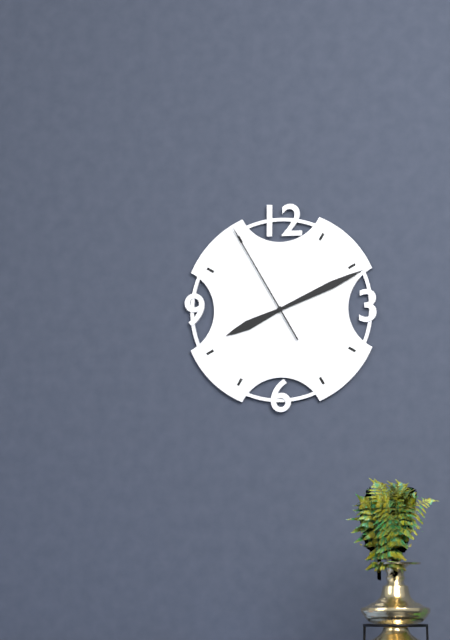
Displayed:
8:11:55
